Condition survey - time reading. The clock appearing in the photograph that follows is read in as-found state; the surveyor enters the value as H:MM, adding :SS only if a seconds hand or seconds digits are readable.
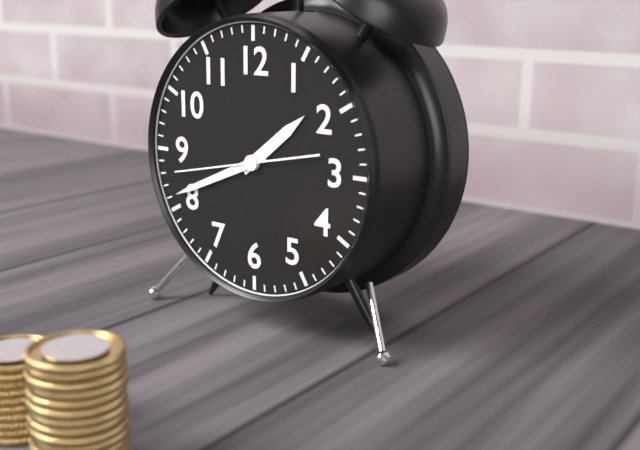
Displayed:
1:41:43
